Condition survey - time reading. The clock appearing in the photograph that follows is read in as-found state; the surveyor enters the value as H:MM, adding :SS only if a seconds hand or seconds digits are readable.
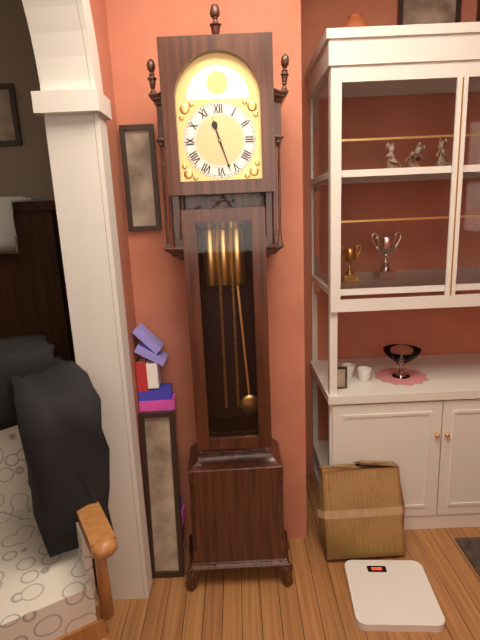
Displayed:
11:27
